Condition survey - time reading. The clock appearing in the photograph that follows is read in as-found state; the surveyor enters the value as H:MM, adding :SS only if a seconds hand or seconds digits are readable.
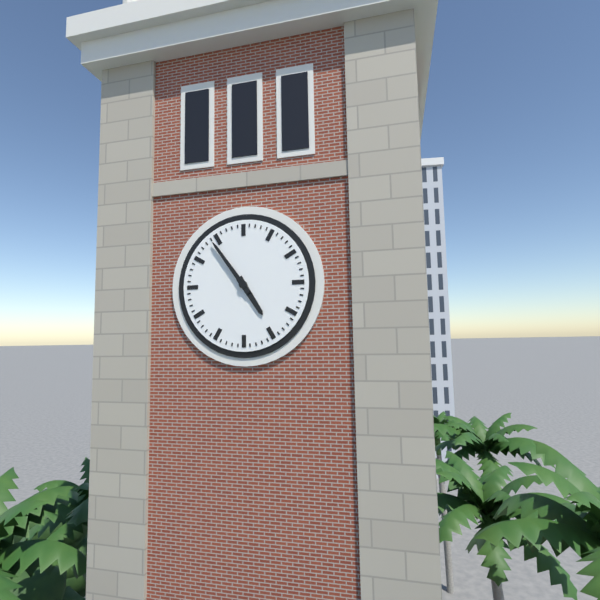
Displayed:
4:54
